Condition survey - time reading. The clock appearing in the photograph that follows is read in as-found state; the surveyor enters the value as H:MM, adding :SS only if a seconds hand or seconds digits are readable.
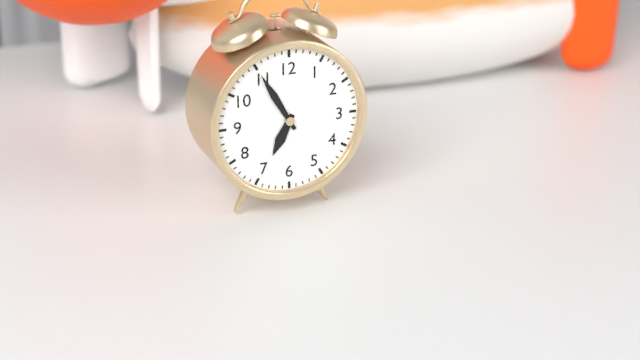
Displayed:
6:55
